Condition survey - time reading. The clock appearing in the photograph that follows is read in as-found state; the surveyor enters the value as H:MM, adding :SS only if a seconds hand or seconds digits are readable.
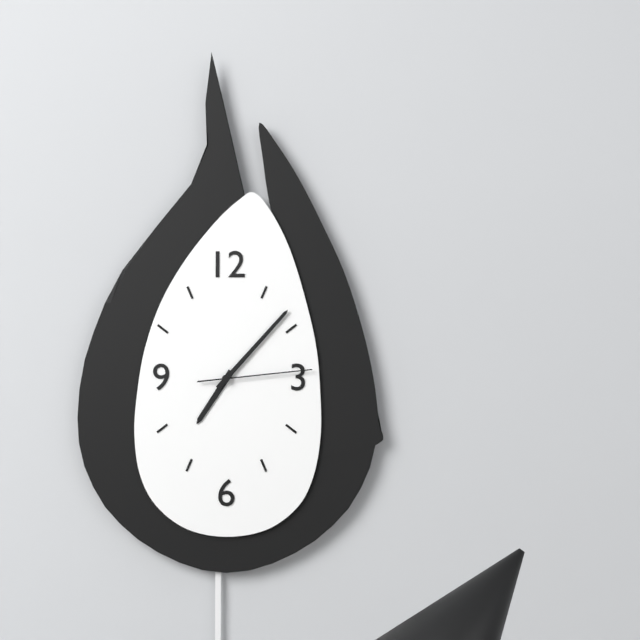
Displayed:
7:07:14
